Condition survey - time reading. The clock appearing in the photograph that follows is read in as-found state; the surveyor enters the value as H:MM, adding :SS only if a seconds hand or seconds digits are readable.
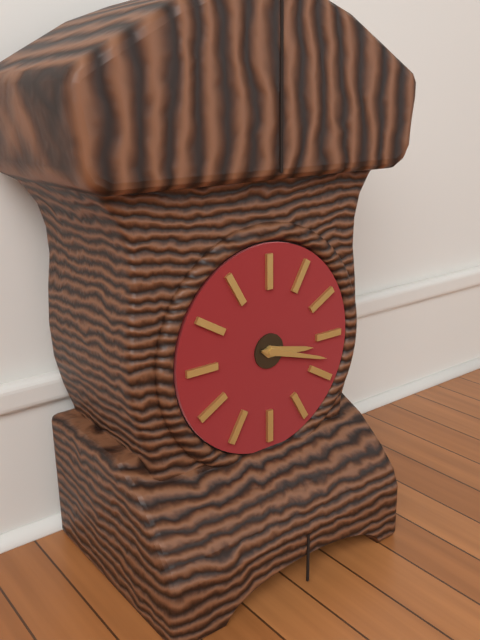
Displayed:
3:18
